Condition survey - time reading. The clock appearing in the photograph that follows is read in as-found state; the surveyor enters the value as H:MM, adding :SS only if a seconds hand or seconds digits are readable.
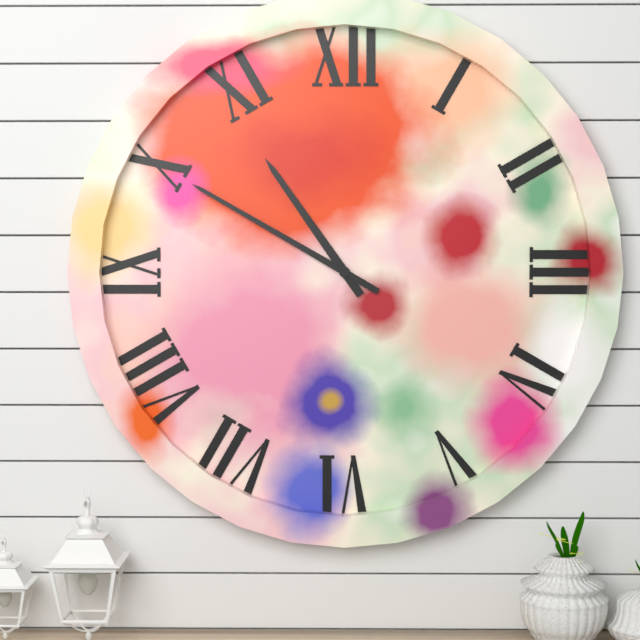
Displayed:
10:50
